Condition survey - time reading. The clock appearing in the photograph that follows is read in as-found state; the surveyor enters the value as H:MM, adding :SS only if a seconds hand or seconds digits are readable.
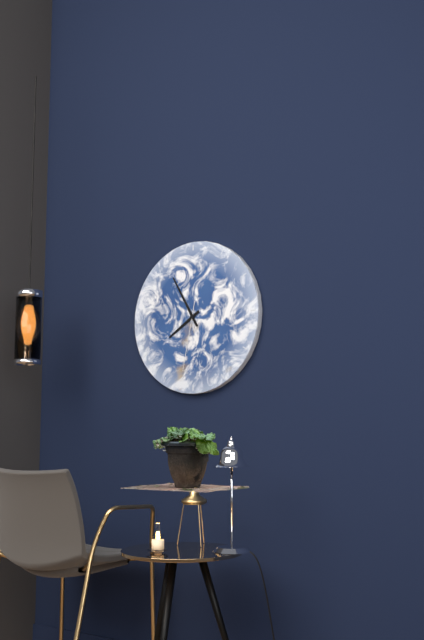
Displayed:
7:55:32
